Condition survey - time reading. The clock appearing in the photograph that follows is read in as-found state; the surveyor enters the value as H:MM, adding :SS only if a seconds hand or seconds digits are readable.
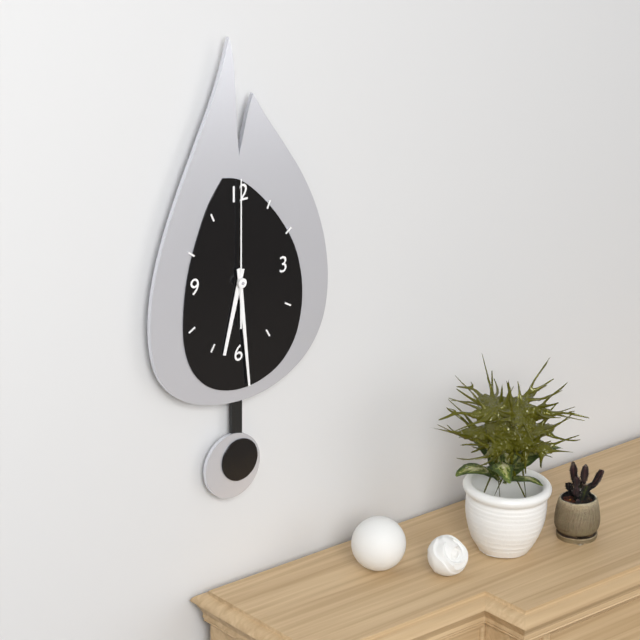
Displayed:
6:29:00
